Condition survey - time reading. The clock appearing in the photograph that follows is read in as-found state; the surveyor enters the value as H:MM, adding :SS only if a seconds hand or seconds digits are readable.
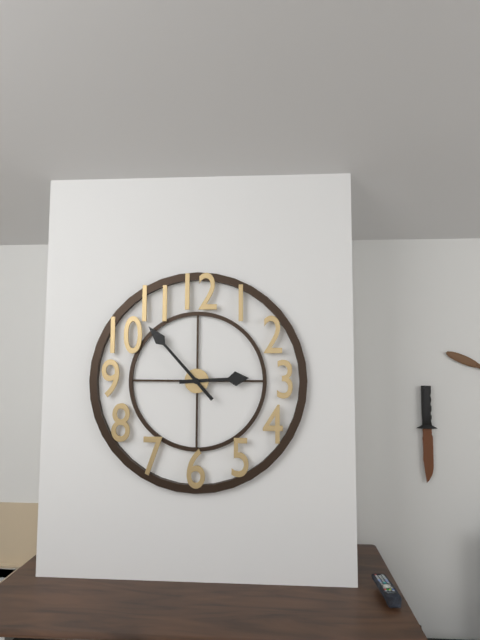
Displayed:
2:53
